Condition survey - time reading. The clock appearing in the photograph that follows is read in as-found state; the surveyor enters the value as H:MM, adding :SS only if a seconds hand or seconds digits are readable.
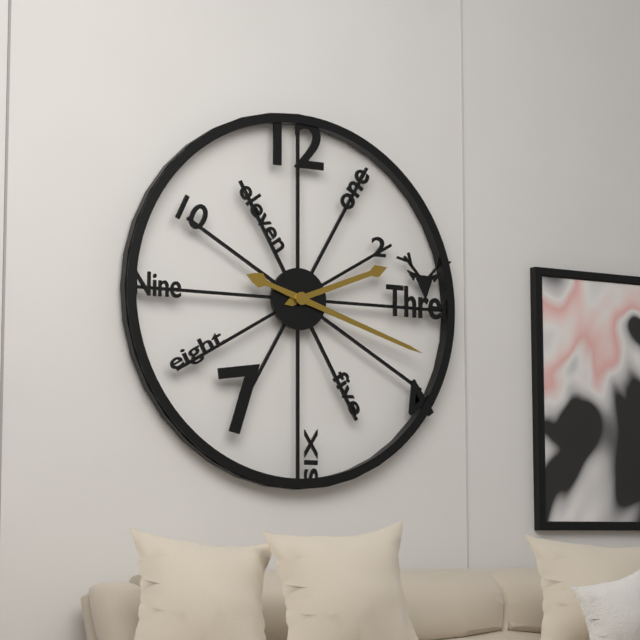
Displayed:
2:18
